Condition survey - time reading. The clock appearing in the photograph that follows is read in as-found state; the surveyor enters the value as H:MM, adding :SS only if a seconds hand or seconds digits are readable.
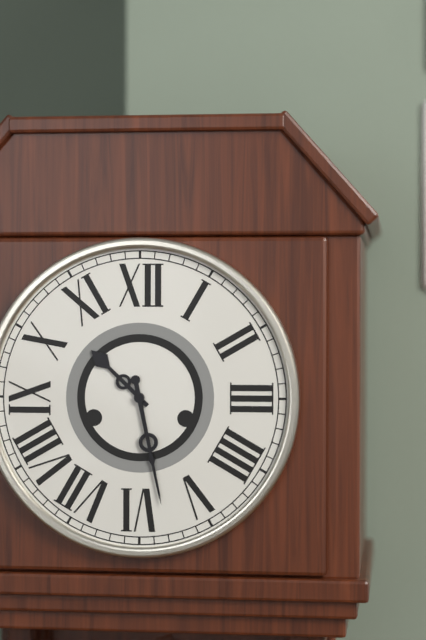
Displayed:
10:28
